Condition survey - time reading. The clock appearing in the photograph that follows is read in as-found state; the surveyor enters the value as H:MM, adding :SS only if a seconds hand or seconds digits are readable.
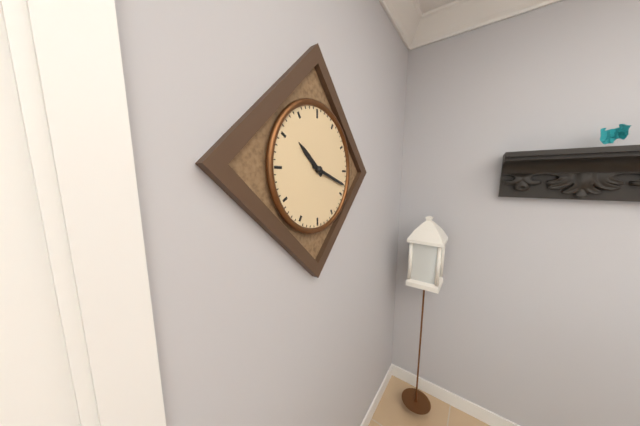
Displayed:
10:18
